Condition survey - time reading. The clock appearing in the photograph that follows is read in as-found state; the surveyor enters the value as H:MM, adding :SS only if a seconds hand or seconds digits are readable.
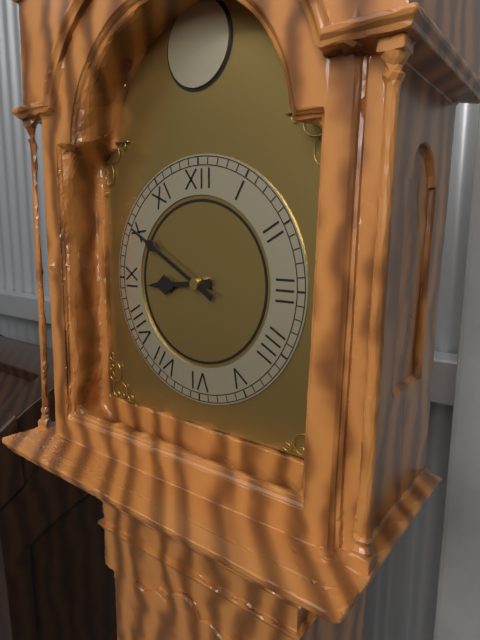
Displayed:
8:50
